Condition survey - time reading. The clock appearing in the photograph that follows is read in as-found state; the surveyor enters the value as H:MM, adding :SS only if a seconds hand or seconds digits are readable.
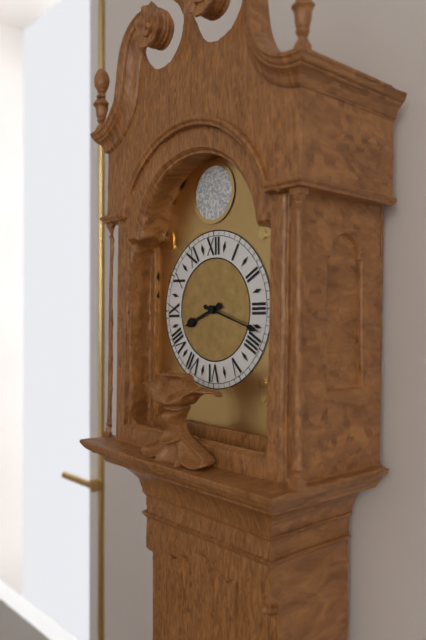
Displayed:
8:18
